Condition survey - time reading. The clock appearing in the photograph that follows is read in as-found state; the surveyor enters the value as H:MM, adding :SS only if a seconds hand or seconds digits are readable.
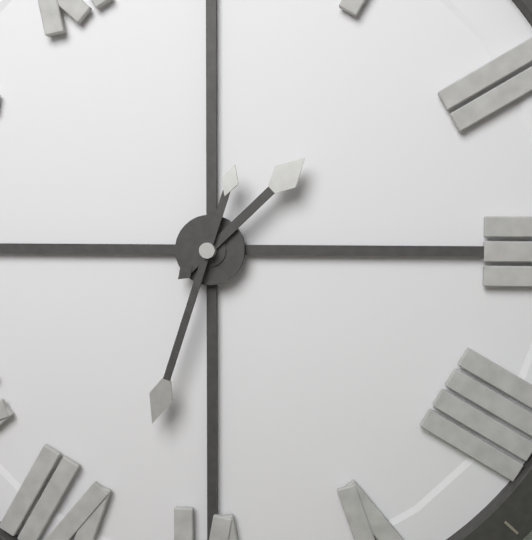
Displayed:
1:33
